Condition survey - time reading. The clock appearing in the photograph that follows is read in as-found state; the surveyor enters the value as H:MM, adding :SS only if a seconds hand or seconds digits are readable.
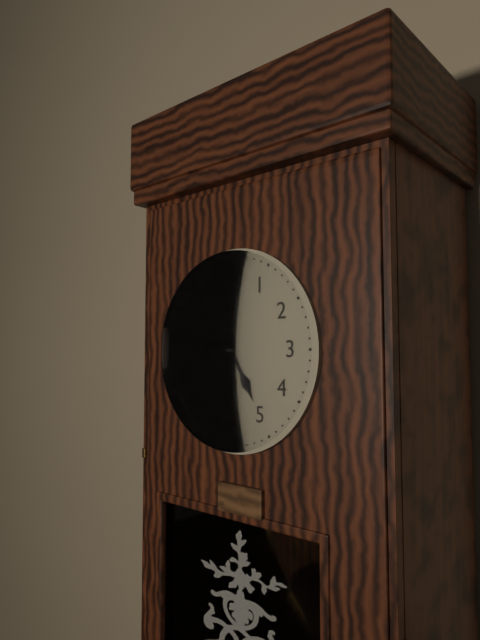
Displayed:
4:58
